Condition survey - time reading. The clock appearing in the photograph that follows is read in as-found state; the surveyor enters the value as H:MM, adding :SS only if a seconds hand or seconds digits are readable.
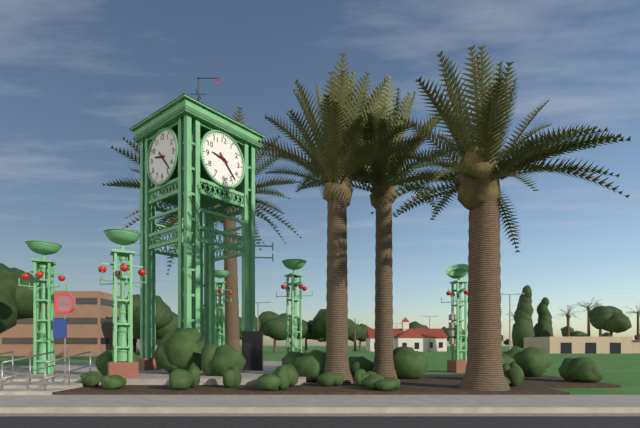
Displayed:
9:23
